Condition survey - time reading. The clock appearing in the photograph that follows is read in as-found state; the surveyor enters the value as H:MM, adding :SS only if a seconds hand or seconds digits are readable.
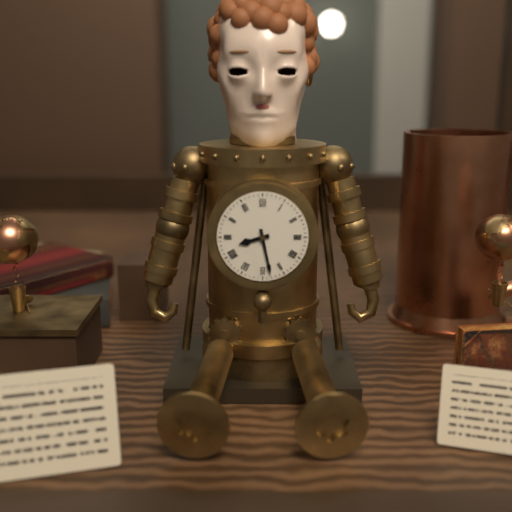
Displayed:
8:28
